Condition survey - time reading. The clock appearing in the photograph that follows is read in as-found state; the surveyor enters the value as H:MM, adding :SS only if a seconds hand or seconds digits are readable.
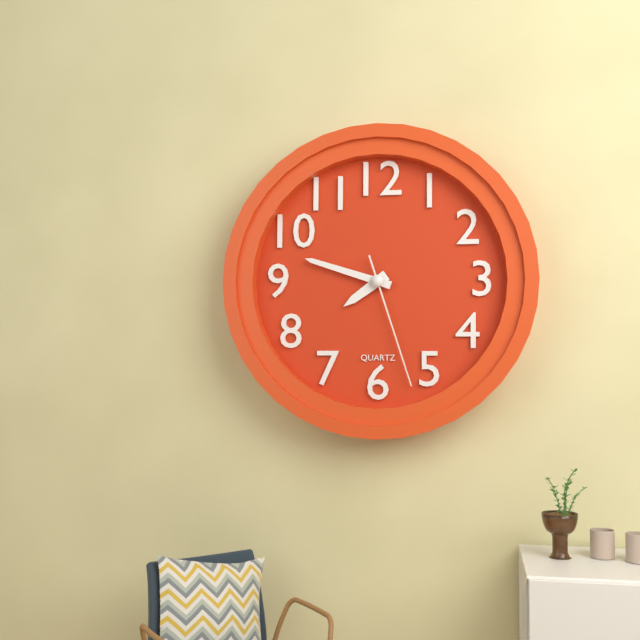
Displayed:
7:48:27
